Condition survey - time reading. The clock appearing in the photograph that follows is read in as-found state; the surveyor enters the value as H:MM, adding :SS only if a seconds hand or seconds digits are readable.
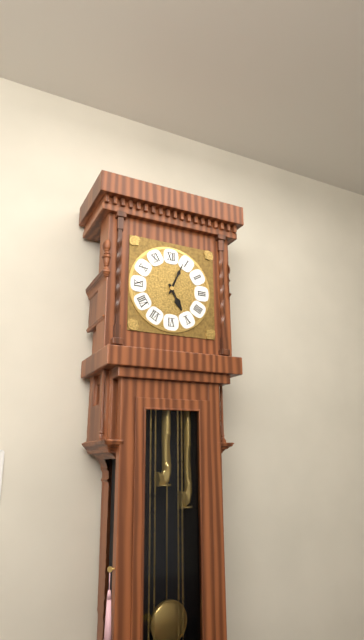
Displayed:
5:04
